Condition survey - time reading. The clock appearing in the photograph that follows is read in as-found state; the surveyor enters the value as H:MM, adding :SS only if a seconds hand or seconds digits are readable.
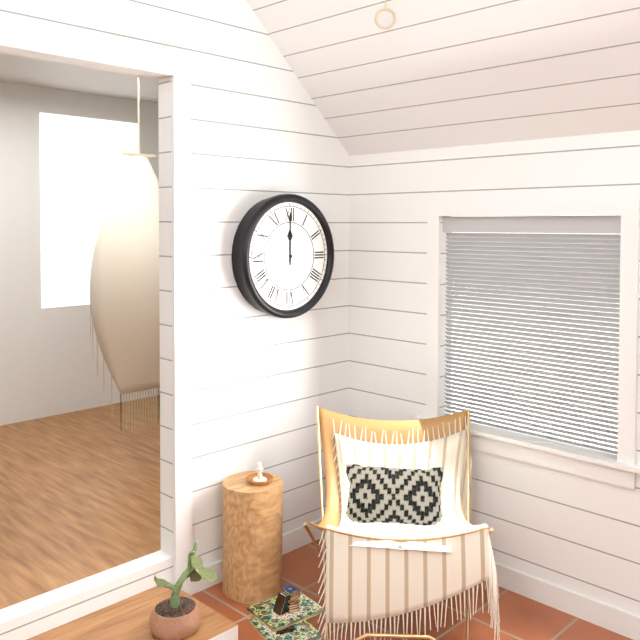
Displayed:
12:00
